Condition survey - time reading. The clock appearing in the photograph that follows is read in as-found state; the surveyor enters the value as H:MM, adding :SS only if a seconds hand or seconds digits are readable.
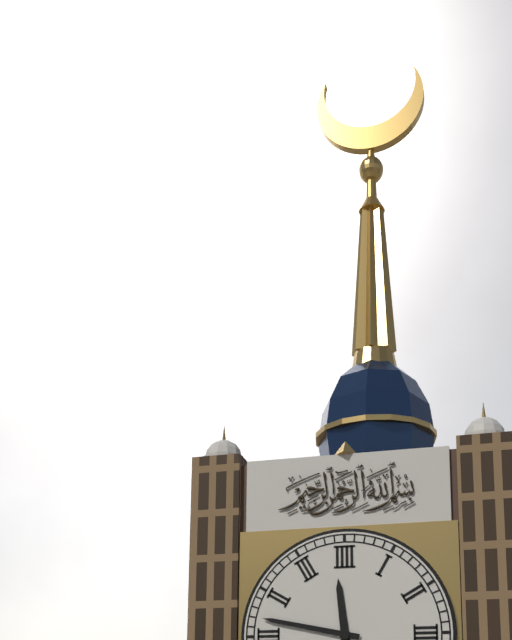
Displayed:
11:47
